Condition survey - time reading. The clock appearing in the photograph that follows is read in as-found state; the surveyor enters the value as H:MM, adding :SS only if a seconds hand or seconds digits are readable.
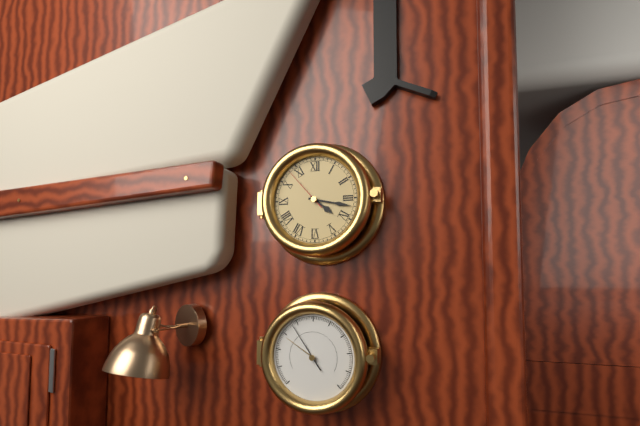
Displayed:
4:17:53
